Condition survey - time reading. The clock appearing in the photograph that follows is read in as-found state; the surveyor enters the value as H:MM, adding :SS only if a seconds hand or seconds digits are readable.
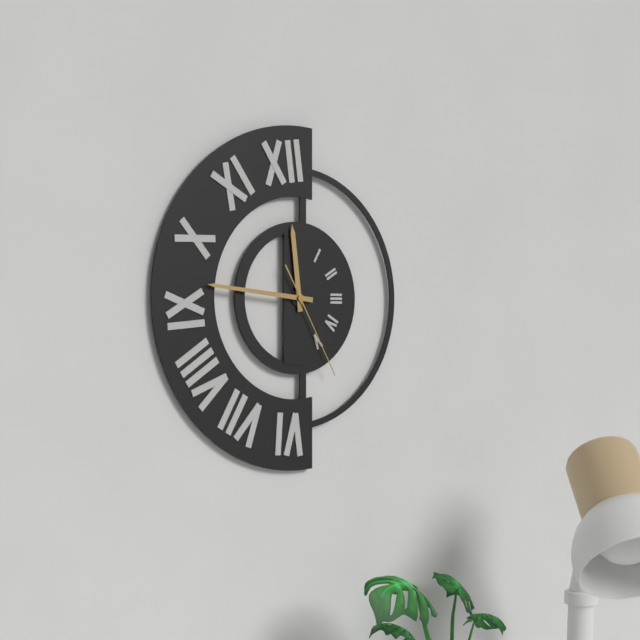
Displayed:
11:46:25
